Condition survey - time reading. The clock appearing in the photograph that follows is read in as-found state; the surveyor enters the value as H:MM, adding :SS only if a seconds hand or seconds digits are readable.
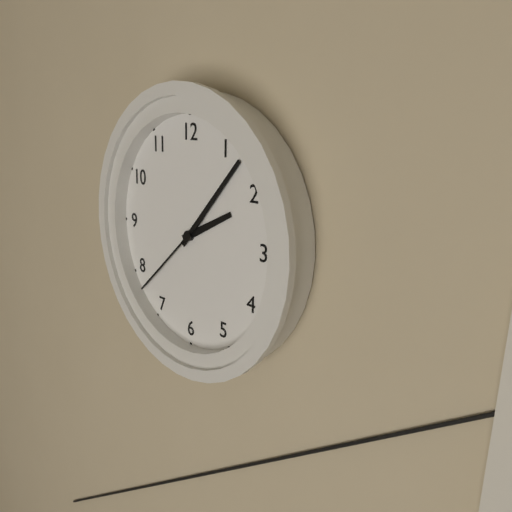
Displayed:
2:07:38
